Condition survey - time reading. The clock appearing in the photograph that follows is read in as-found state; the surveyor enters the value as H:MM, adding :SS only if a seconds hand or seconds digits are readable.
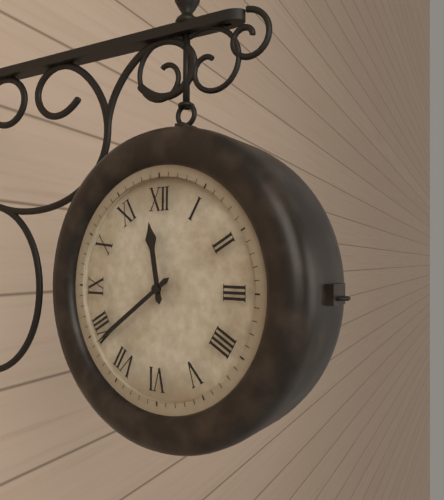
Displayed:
11:39
